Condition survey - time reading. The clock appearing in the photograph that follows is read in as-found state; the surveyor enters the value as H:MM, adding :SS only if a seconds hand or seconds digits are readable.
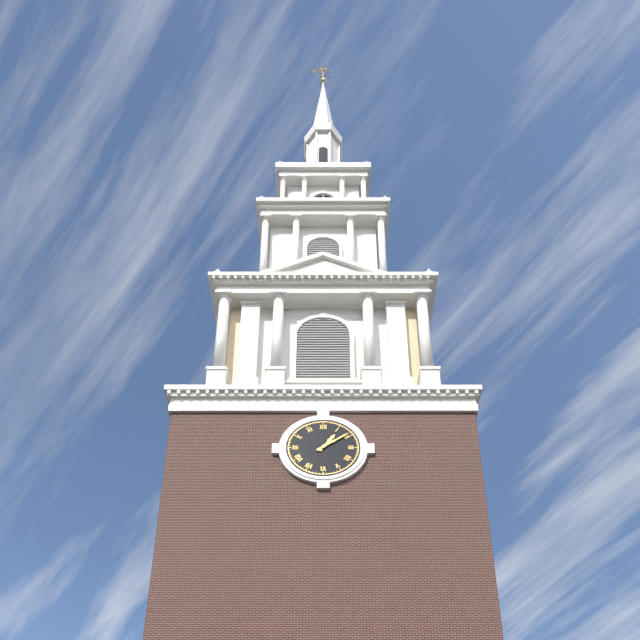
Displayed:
1:09
